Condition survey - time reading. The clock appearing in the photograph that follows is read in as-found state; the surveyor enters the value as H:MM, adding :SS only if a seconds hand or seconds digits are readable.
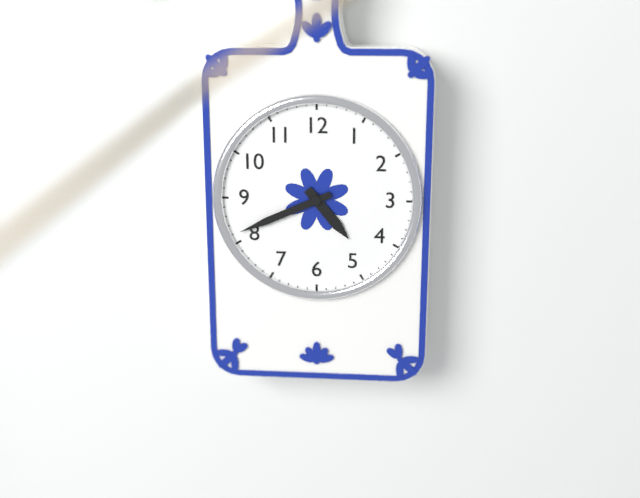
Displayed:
4:41
